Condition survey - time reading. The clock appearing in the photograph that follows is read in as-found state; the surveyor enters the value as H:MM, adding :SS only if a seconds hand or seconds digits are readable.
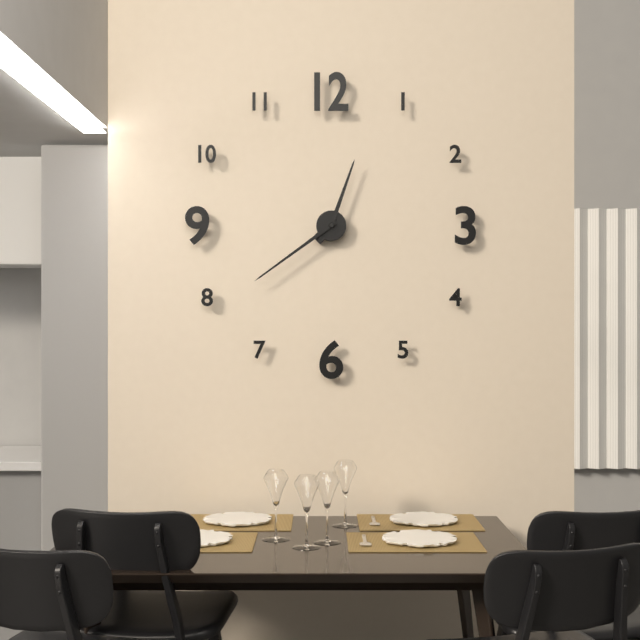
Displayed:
12:39
